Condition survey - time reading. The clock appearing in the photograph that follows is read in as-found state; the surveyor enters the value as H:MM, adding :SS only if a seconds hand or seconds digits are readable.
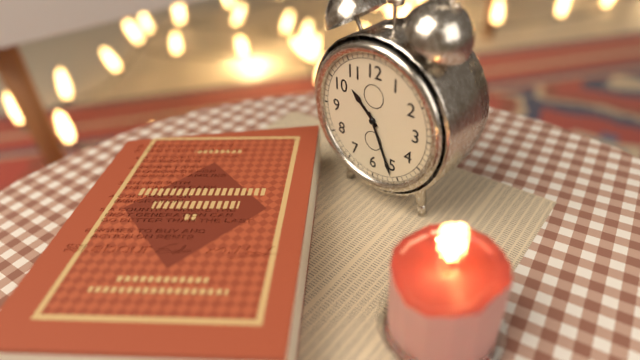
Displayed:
10:26
